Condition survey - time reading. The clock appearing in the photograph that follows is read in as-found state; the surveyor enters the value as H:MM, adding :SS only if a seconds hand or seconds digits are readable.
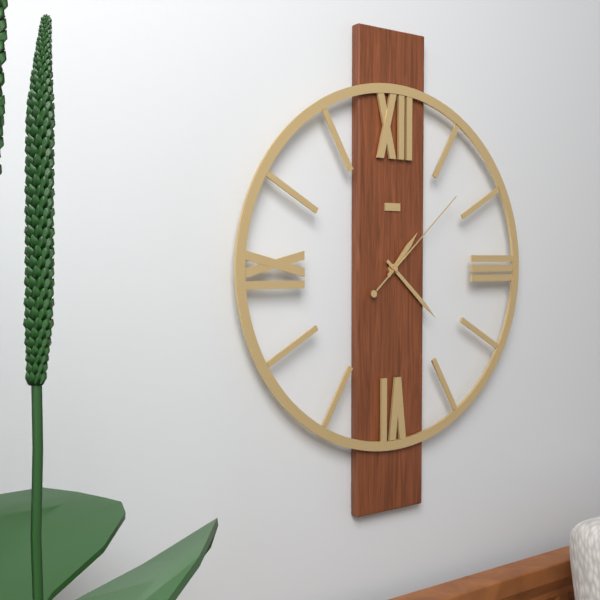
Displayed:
1:22:08
